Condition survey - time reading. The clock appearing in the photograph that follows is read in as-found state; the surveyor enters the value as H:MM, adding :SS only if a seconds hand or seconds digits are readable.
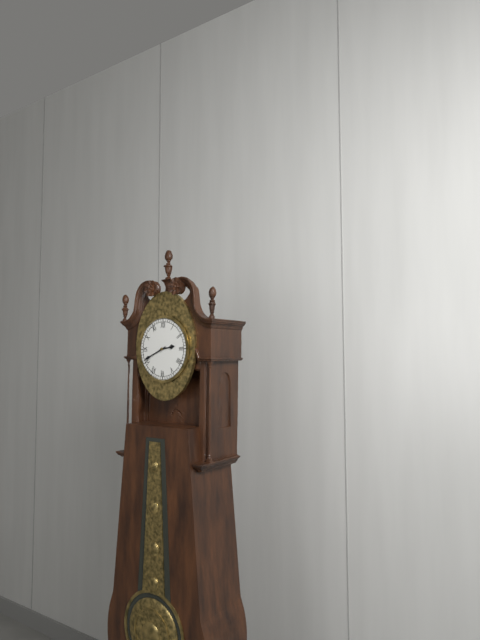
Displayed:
2:41
